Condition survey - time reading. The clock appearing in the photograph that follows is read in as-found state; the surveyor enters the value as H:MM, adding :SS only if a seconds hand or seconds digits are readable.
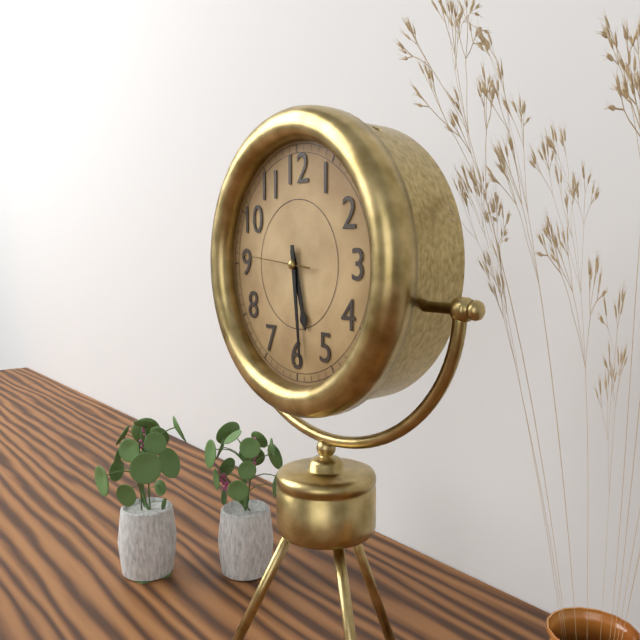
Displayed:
5:29:46
